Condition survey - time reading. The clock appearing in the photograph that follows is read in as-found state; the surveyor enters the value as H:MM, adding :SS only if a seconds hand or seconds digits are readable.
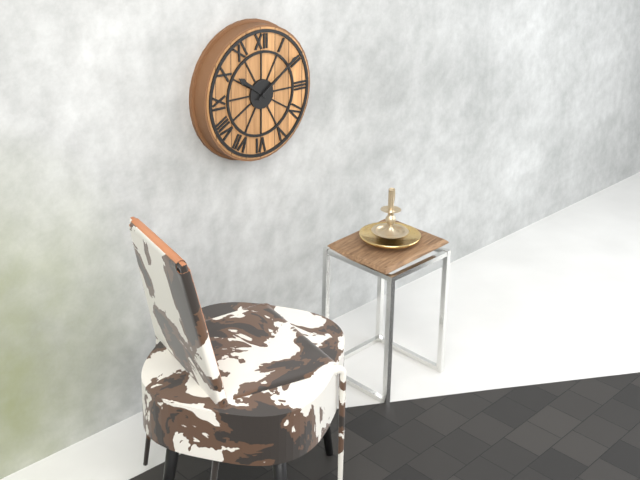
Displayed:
10:09
